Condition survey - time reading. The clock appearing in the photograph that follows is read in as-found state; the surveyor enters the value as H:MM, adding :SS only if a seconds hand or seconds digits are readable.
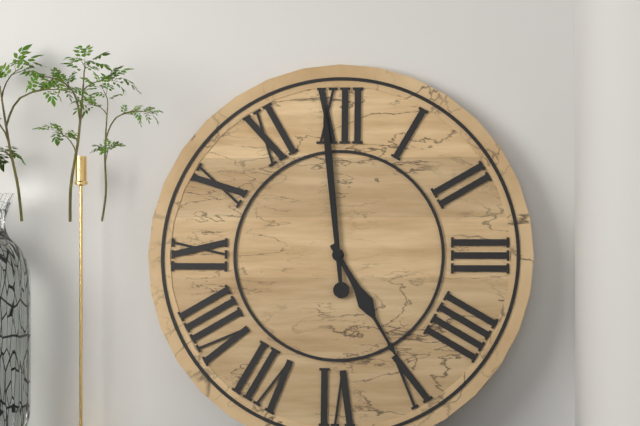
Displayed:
4:59
